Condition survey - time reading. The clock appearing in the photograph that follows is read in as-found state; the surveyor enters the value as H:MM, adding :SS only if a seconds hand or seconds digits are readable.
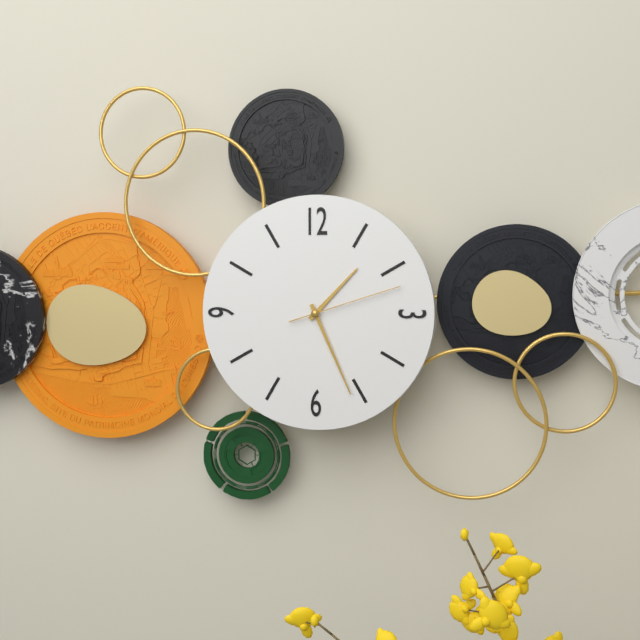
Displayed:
1:26:12
